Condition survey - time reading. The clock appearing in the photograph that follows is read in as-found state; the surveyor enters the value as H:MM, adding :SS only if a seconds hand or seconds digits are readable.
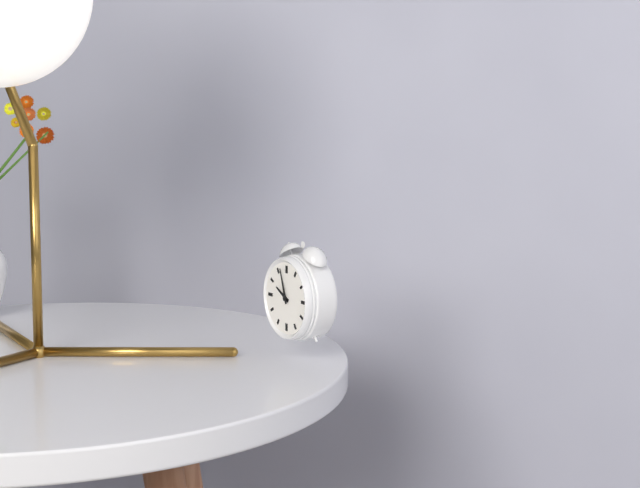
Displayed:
9:57
